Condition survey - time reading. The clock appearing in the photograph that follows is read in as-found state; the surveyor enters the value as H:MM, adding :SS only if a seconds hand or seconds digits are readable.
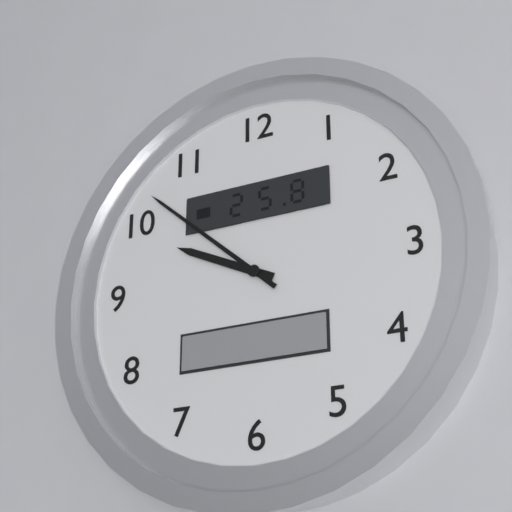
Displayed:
9:52
